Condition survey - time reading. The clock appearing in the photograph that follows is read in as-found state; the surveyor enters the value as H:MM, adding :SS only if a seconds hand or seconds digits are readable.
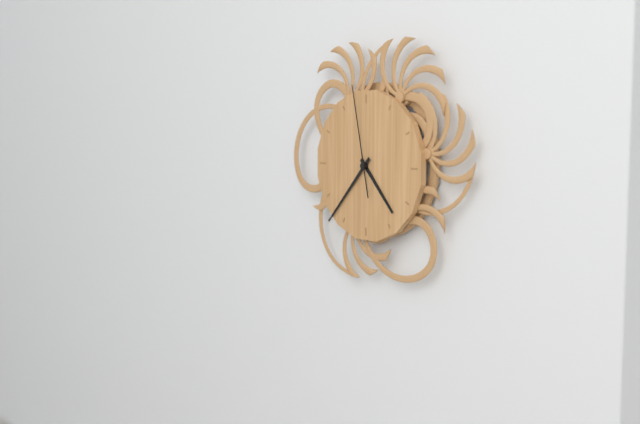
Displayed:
4:37:58
